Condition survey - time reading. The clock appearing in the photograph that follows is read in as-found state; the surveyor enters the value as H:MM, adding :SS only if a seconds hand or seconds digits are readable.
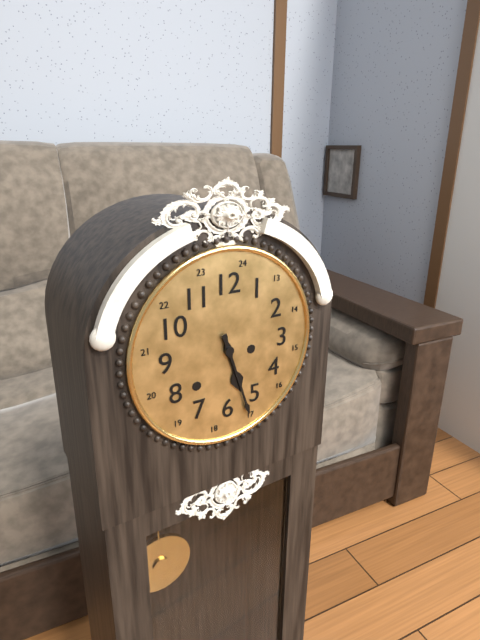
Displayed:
5:27
